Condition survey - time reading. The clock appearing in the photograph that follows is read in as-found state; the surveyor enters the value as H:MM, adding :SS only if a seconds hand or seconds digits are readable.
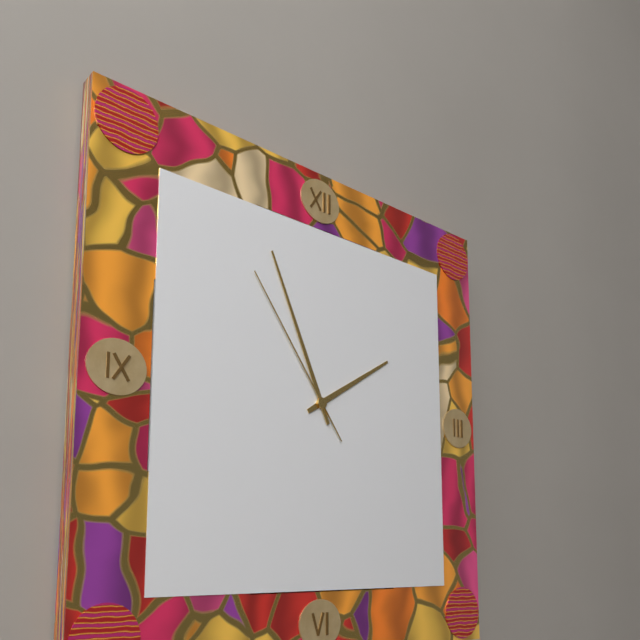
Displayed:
1:56:54
